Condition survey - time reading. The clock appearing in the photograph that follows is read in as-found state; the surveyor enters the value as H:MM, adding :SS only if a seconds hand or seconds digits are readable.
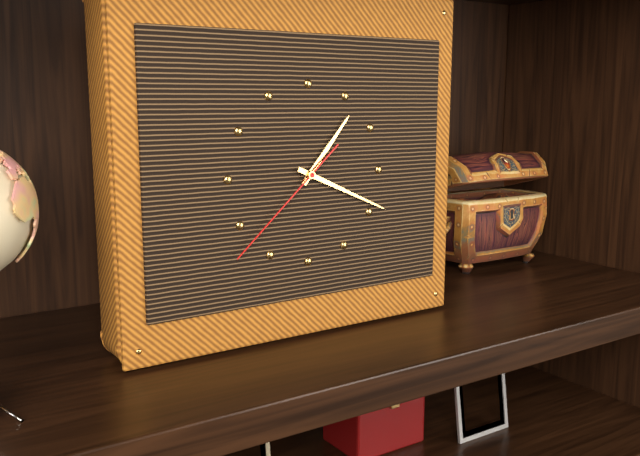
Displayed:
1:19:38
